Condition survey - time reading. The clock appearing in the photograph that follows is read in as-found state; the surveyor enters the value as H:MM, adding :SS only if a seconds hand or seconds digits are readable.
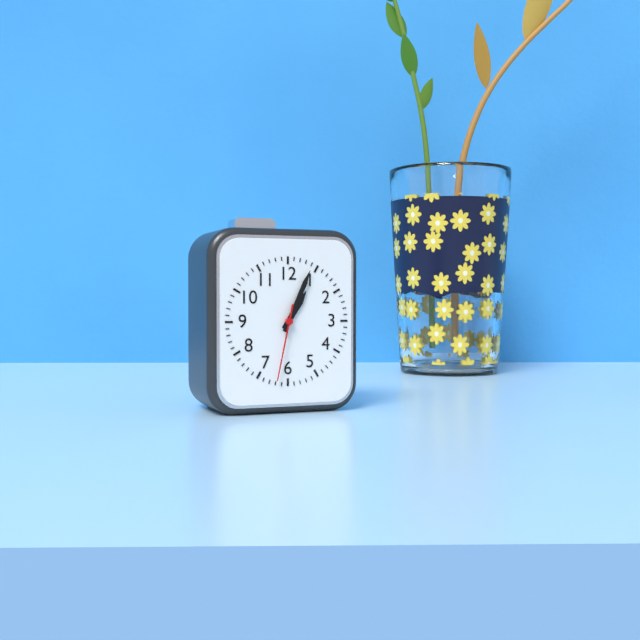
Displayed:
1:04:32
